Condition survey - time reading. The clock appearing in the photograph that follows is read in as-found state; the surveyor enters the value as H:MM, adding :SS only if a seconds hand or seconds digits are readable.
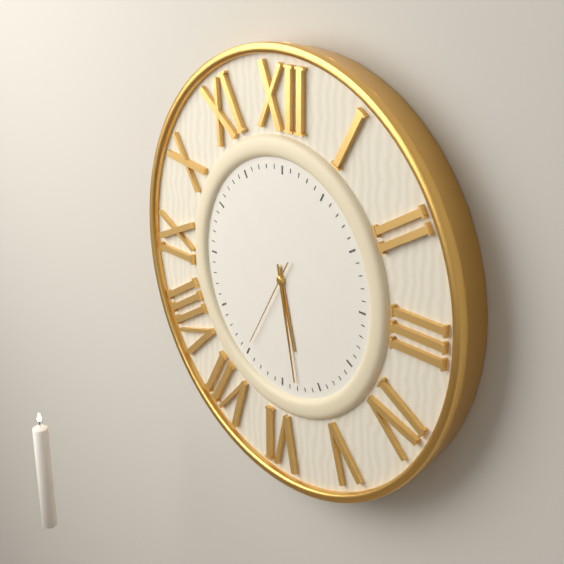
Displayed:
5:28:35
